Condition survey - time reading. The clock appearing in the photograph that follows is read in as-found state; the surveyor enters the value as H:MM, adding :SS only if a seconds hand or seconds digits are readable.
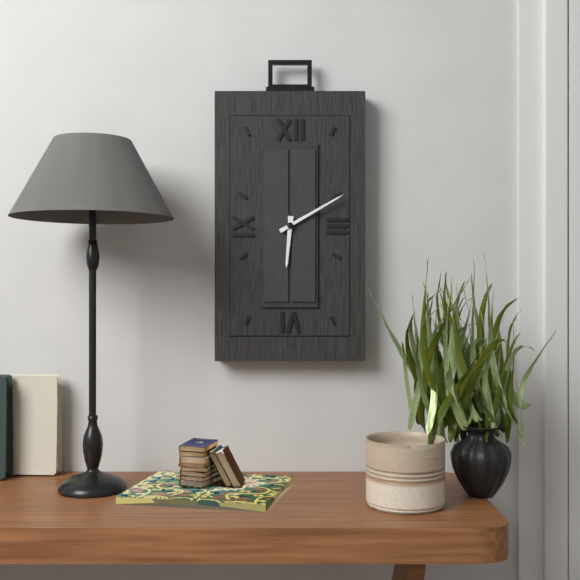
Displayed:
6:10
